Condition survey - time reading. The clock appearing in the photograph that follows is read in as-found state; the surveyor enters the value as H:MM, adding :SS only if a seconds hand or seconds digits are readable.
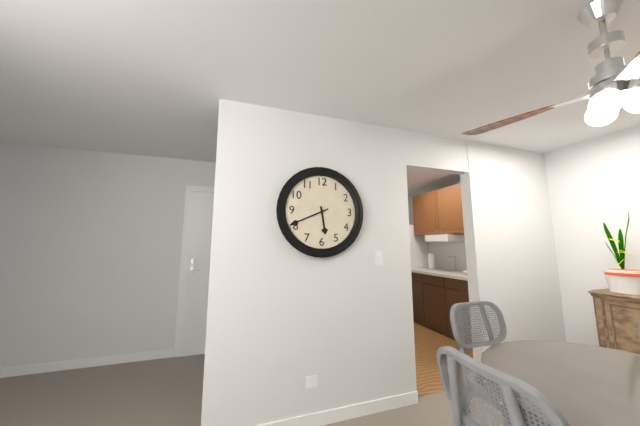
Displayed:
5:41
